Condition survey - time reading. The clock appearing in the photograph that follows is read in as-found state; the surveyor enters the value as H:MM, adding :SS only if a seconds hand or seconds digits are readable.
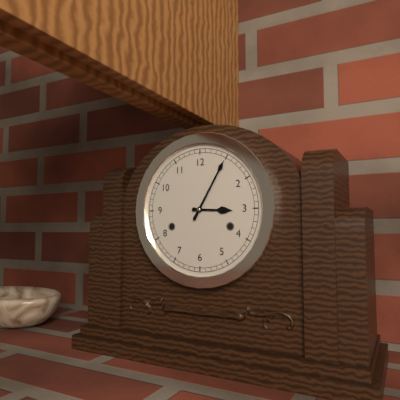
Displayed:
3:05
